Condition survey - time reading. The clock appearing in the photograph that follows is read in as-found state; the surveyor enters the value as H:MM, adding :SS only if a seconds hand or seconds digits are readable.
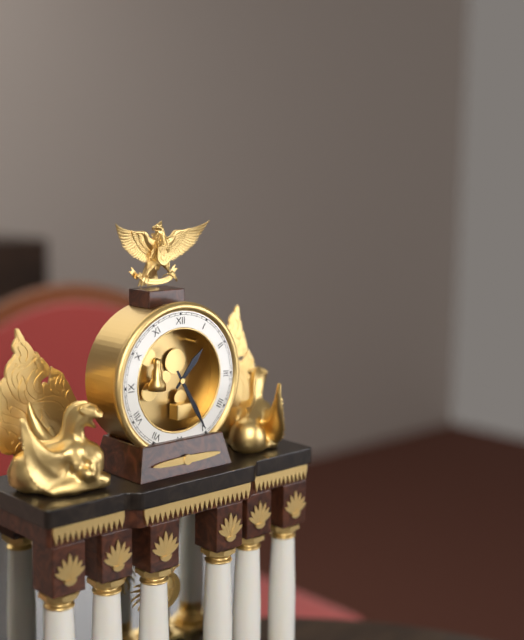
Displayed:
1:25
